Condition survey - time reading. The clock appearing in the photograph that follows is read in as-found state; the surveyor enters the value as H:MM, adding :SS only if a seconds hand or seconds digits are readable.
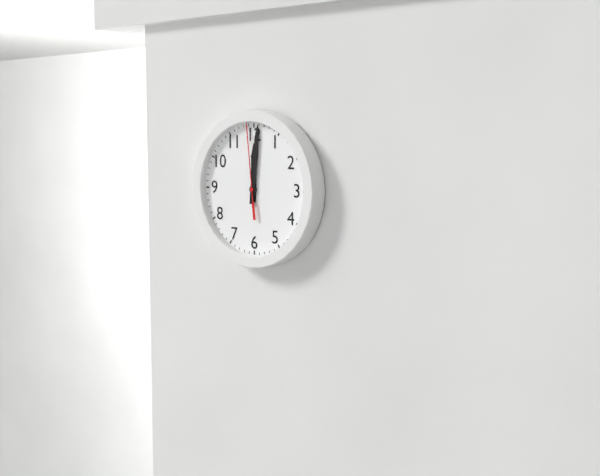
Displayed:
12:01:59
